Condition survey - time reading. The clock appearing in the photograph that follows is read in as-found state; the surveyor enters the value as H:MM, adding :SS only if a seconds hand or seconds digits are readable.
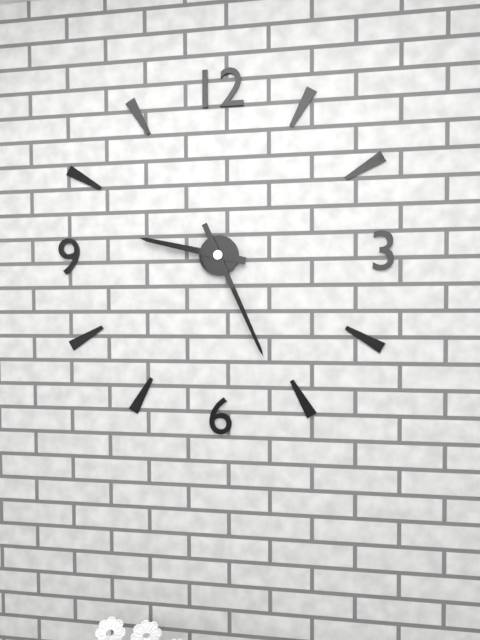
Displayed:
9:26
